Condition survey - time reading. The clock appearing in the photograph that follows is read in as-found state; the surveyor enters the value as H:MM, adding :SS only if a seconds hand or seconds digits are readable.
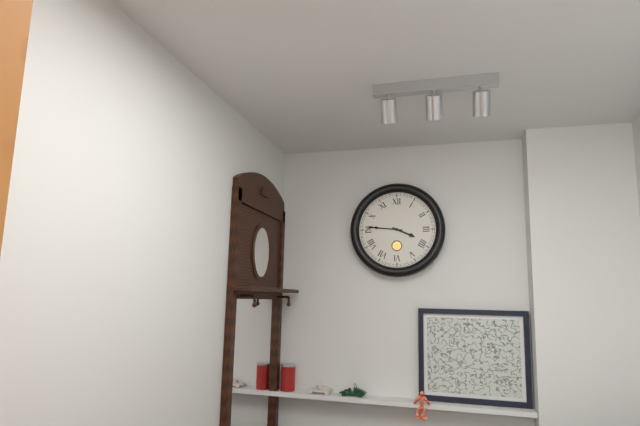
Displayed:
3:46
